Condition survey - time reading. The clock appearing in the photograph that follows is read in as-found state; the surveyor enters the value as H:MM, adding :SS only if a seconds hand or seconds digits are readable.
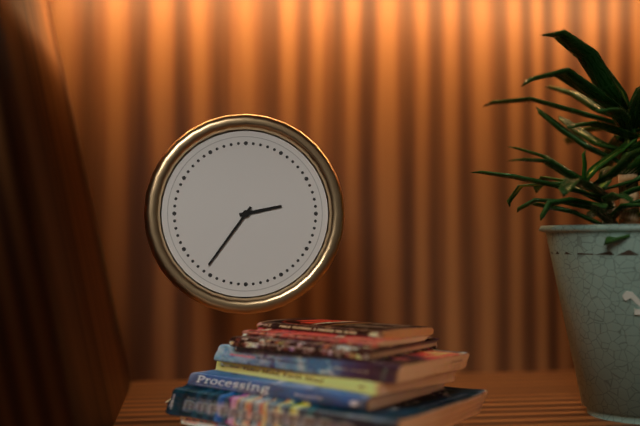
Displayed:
2:36
